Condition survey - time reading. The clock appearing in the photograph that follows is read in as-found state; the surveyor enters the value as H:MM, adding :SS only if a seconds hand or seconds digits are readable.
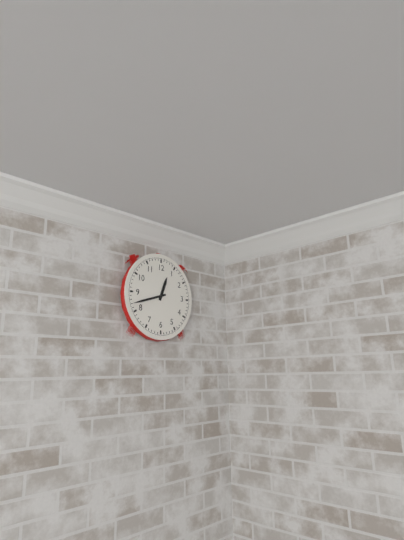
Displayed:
12:42
